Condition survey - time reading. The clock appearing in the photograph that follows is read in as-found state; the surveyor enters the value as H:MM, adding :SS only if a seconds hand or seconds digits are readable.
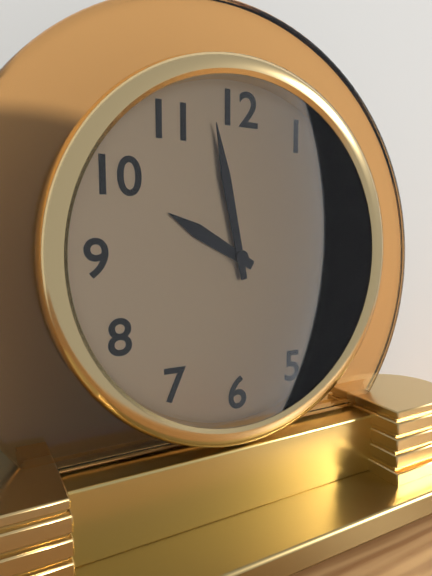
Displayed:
9:58
